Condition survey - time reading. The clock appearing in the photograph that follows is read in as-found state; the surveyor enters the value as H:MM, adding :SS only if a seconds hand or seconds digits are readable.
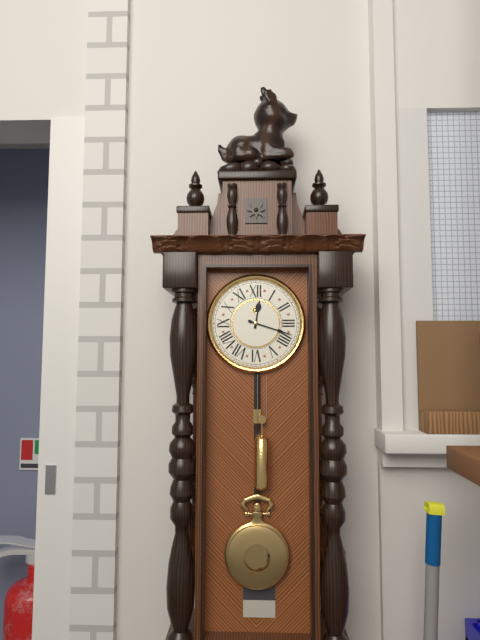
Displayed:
12:18
